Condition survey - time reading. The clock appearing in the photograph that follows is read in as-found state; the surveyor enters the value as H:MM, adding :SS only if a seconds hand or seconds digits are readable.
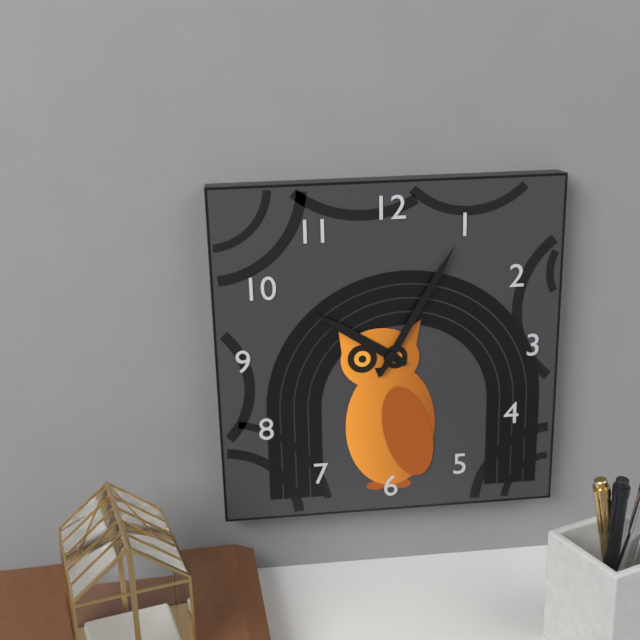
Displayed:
10:05
